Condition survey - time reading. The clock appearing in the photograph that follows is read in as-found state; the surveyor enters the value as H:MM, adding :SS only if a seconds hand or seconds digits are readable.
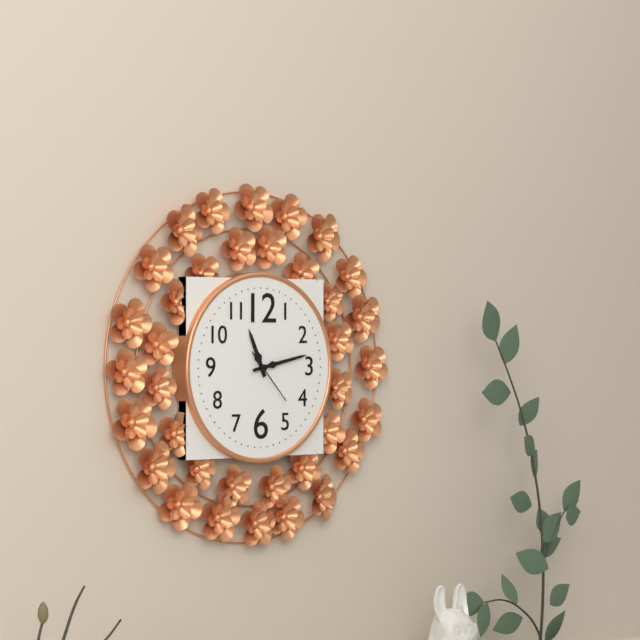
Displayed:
11:13:23
